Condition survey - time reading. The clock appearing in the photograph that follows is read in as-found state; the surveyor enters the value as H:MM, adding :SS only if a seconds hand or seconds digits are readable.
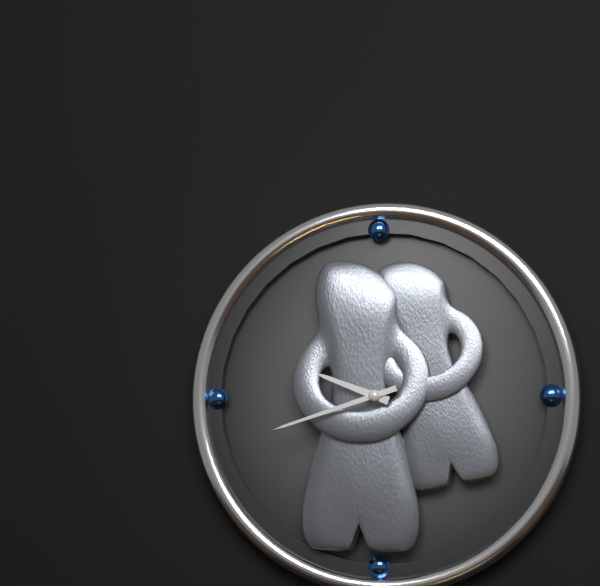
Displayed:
9:42
